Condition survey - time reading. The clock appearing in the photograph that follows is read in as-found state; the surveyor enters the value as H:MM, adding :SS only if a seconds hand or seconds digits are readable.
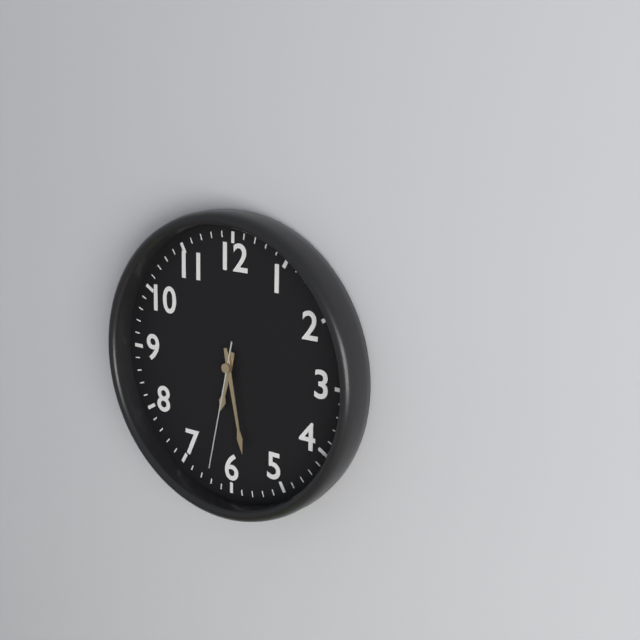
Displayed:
6:28:32
